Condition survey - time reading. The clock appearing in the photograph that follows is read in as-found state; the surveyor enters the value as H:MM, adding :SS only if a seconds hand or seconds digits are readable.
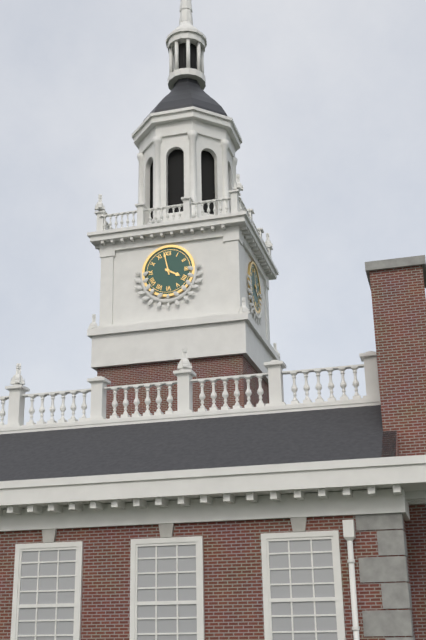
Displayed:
3:58
